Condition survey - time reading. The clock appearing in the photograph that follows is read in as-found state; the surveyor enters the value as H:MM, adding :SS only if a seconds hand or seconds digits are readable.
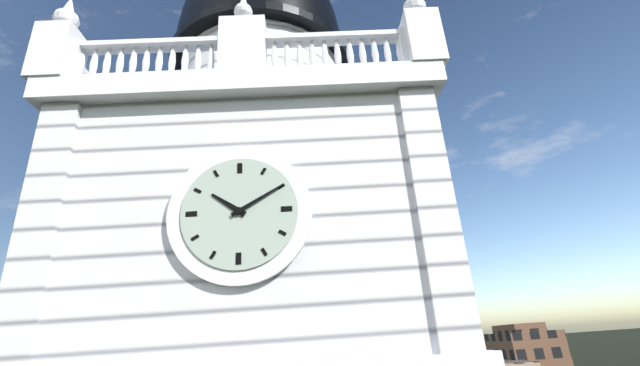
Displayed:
10:10
